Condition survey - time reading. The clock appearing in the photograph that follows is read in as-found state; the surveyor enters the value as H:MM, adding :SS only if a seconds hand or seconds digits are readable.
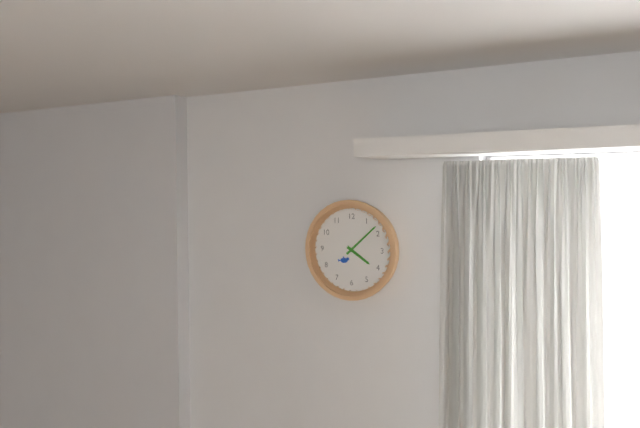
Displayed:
4:08
